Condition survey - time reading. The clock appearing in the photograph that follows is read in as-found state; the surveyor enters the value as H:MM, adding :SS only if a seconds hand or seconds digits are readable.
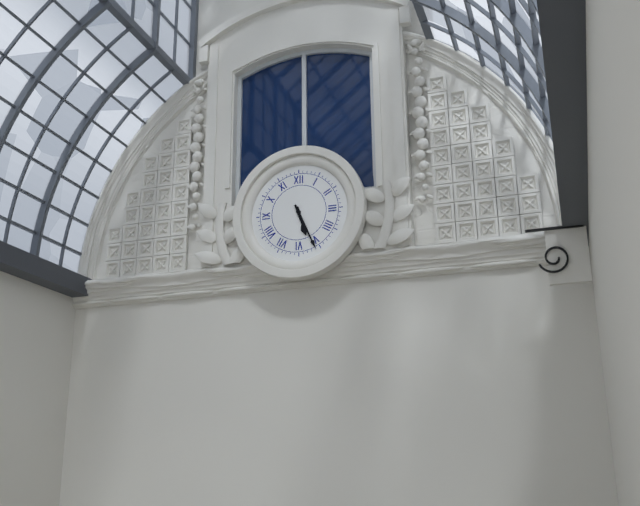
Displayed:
5:26
